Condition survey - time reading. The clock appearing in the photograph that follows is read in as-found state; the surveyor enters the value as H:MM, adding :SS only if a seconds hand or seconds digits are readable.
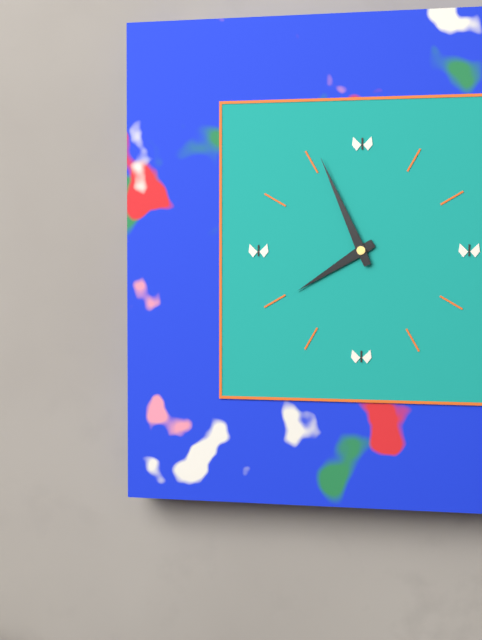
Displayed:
7:56
